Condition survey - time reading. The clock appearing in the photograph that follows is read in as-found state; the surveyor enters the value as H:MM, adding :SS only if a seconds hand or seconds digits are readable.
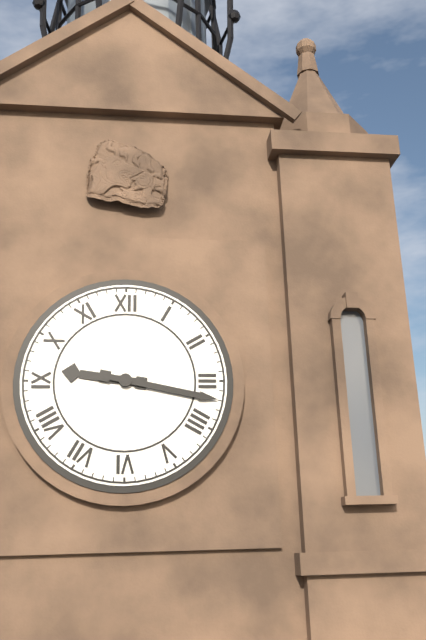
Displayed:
9:17
